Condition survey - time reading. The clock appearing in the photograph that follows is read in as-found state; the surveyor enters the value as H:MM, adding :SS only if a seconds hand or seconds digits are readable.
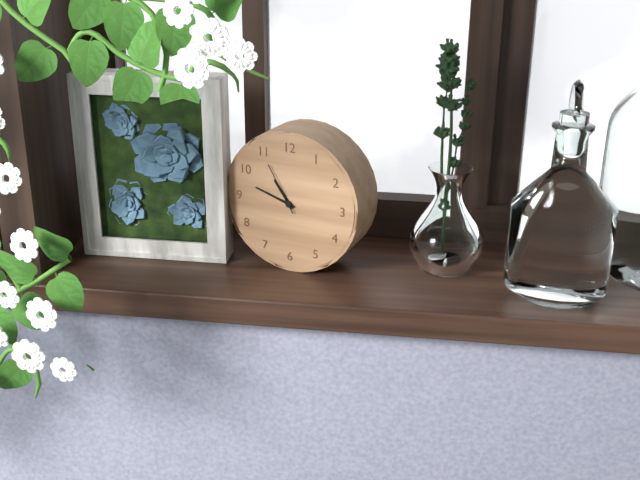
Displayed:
10:48:55
